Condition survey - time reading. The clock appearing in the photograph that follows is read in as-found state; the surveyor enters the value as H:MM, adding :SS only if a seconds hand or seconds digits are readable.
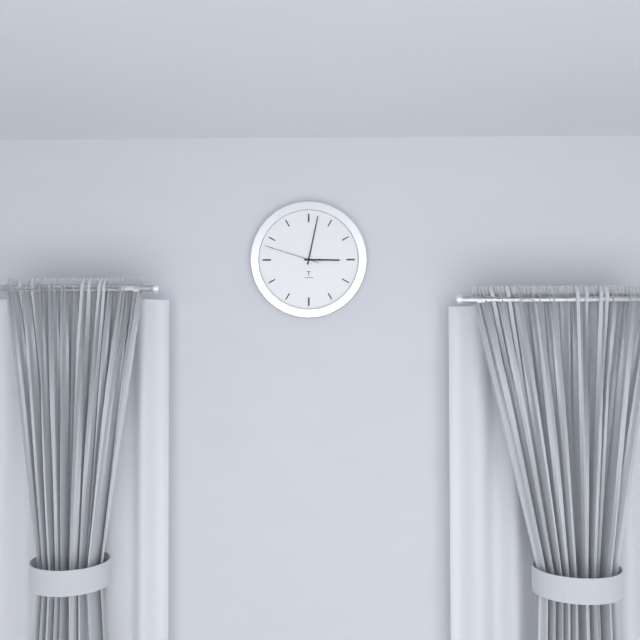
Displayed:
3:02:48
